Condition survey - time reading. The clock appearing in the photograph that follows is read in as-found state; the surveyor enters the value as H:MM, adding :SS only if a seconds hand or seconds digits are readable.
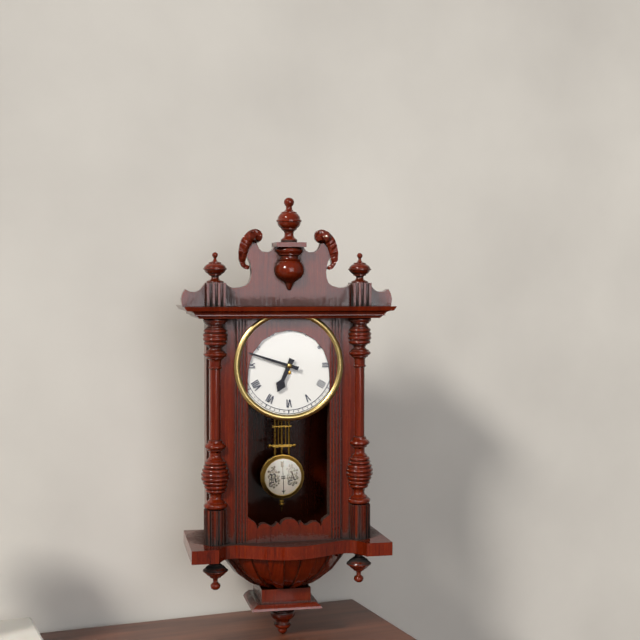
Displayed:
6:48
